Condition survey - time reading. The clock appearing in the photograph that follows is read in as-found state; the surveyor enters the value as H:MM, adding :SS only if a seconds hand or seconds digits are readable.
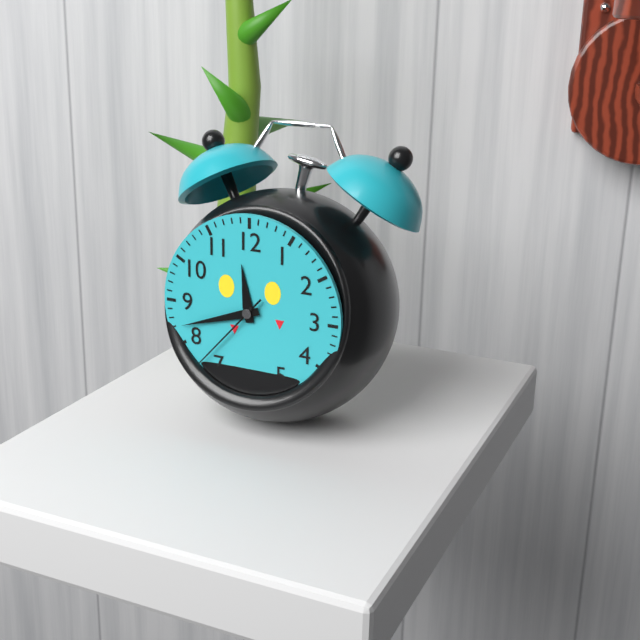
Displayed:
11:42:37
